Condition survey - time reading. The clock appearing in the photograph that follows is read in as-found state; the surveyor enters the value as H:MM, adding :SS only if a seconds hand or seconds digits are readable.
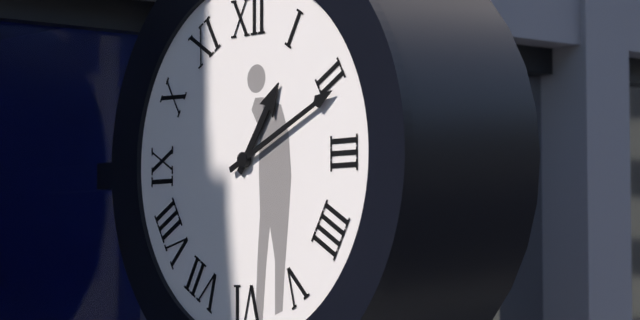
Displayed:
1:11
